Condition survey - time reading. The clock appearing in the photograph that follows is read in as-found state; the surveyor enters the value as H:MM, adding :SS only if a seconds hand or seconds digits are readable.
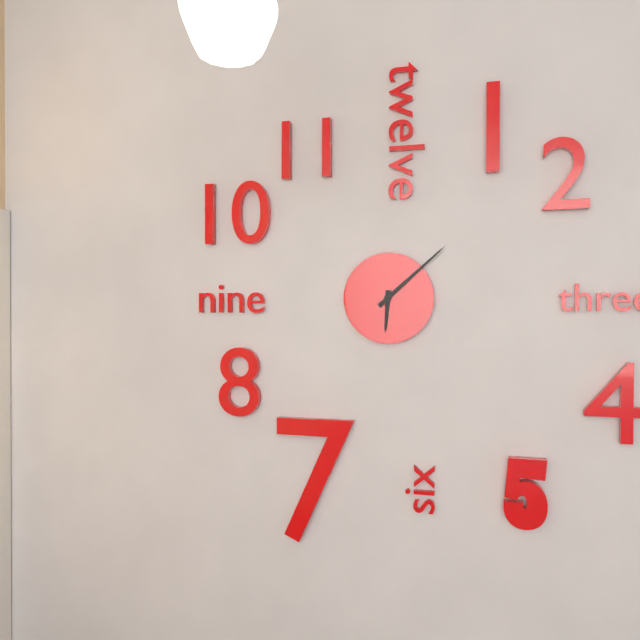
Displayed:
6:08
